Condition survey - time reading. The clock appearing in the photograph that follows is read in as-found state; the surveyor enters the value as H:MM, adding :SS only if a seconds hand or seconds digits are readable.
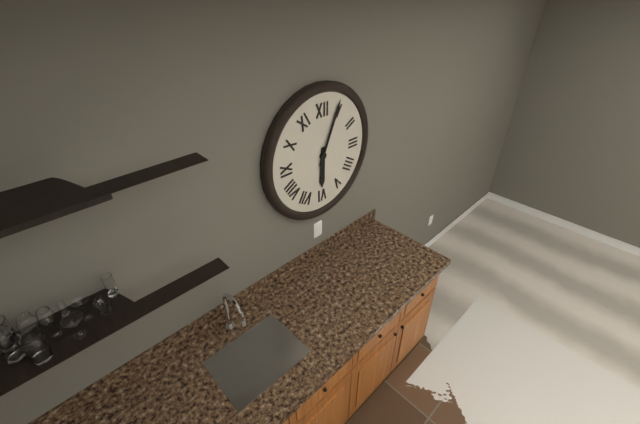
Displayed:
6:04
